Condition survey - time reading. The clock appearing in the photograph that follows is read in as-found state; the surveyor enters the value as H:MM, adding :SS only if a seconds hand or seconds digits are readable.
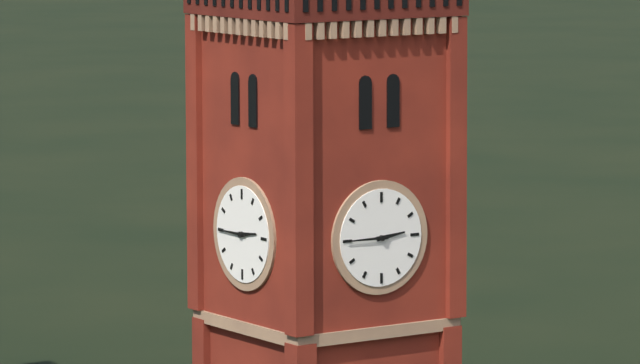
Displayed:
2:45
